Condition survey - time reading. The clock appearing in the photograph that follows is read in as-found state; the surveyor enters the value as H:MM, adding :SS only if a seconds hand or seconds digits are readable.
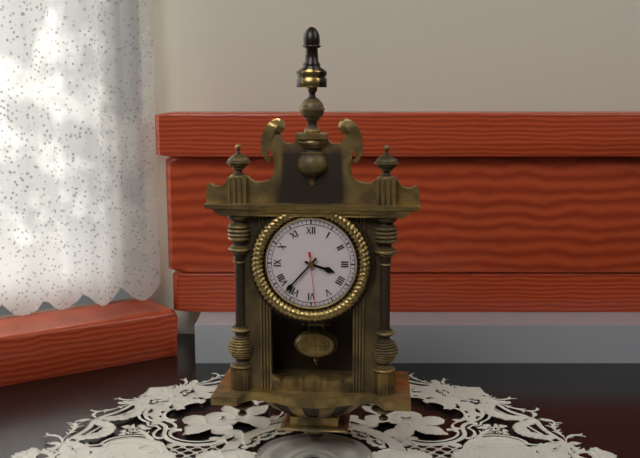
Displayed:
3:37:29
